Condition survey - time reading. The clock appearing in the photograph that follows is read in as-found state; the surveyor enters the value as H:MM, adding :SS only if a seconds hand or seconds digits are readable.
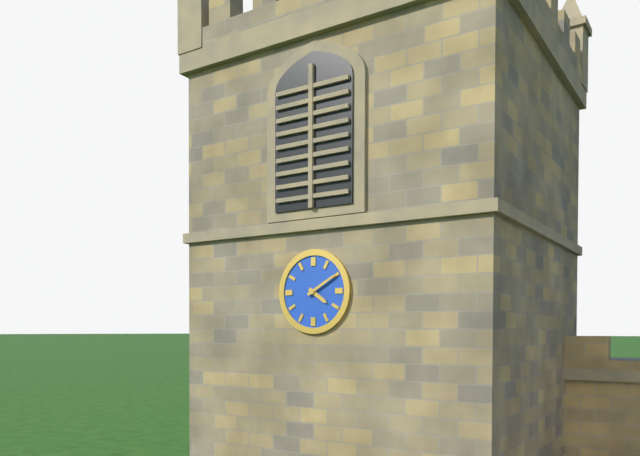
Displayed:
4:10
